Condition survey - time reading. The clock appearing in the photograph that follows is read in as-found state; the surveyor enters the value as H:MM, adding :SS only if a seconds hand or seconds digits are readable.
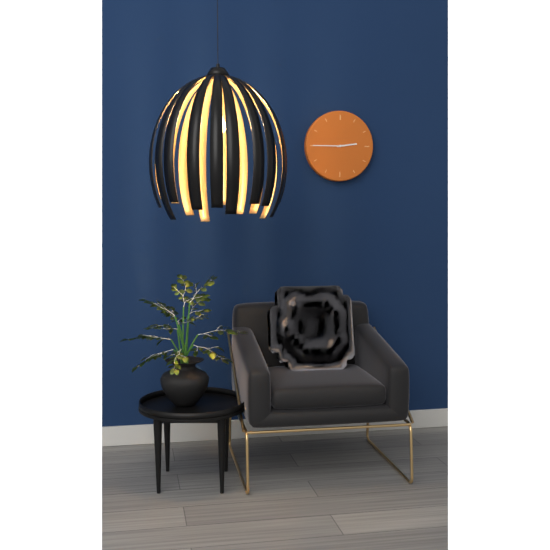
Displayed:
2:45
